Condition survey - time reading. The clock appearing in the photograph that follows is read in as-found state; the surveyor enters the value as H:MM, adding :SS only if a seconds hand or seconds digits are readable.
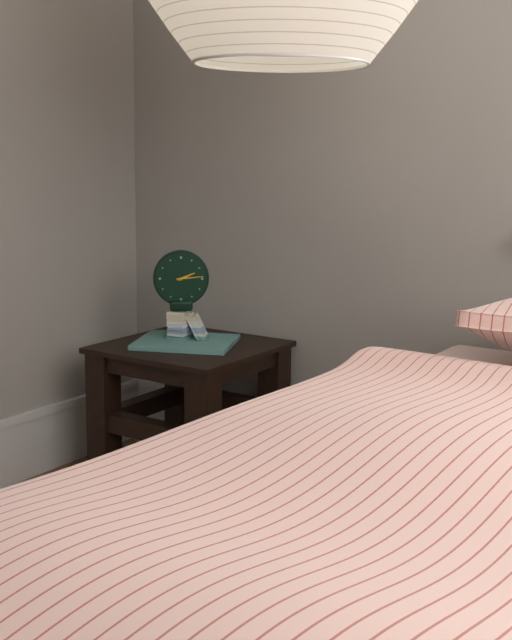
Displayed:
2:14
